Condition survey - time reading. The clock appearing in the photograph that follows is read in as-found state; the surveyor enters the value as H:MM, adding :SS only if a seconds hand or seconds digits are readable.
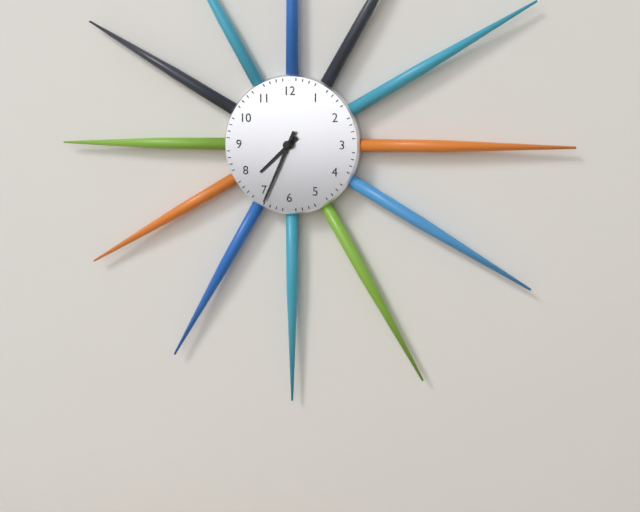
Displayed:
7:34
